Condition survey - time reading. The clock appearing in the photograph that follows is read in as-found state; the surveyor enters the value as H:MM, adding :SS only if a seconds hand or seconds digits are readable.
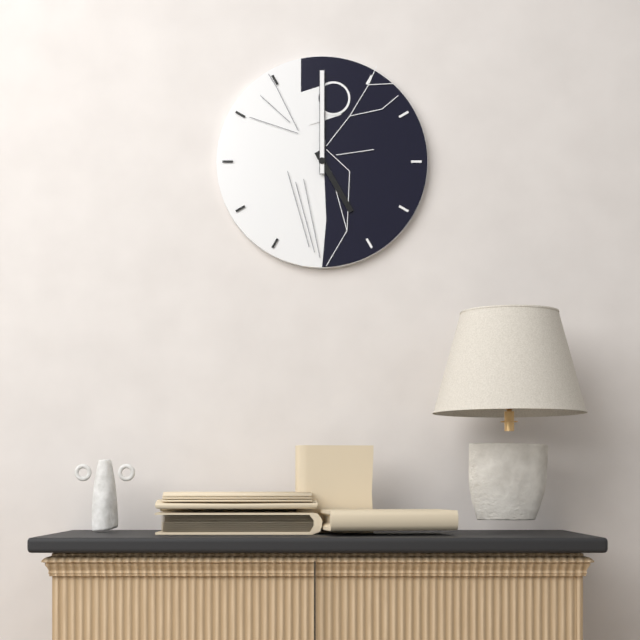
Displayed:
5:00
